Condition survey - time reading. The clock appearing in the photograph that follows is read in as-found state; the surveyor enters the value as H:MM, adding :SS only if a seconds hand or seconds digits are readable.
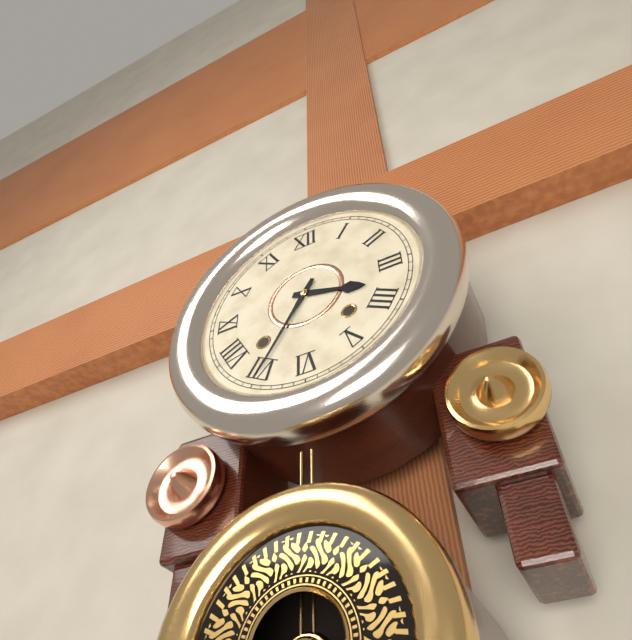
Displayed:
3:35
